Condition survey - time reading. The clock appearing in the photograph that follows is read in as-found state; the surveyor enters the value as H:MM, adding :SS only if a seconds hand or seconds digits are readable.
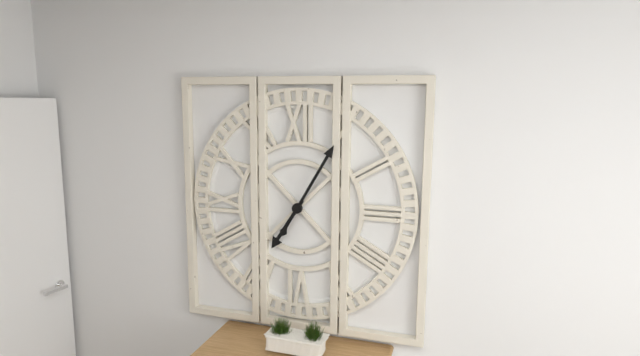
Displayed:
7:05
